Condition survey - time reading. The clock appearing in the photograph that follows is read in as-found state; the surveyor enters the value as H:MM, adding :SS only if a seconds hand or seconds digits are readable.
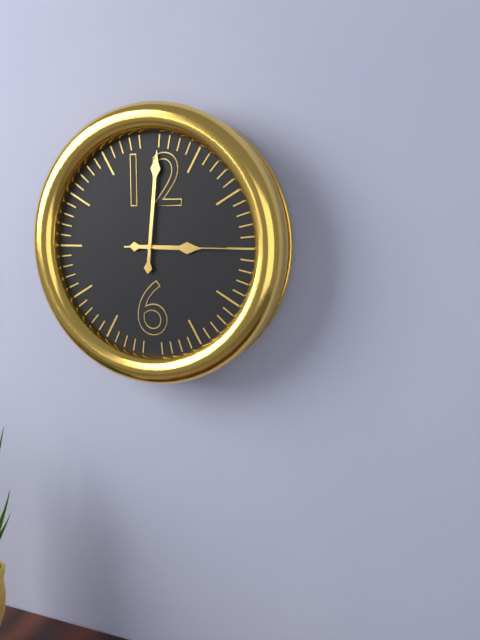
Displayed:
3:01:15
